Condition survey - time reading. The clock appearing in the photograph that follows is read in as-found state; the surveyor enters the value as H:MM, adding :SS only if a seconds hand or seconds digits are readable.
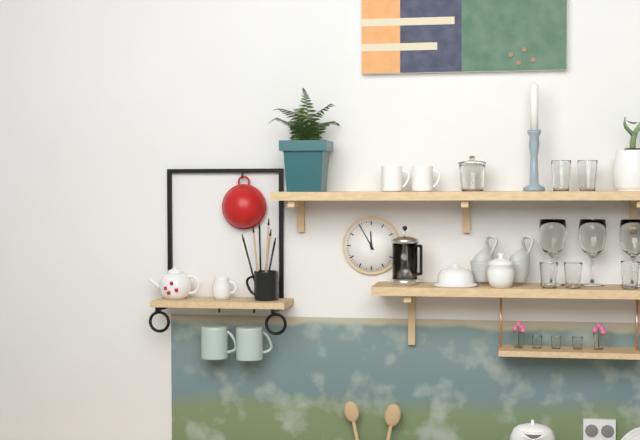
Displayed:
11:55
